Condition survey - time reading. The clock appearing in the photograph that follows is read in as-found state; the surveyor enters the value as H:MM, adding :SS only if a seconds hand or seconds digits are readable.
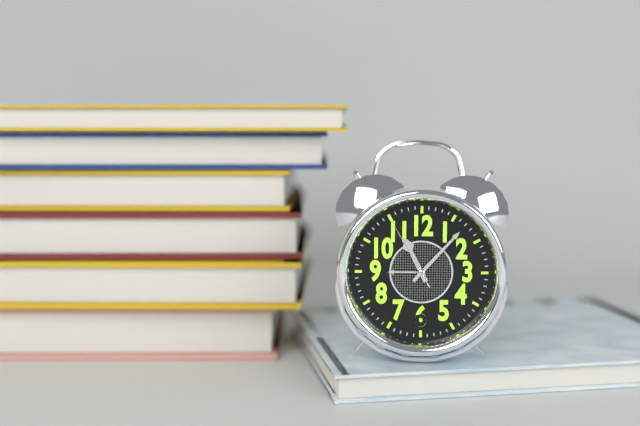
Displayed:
11:07:55
